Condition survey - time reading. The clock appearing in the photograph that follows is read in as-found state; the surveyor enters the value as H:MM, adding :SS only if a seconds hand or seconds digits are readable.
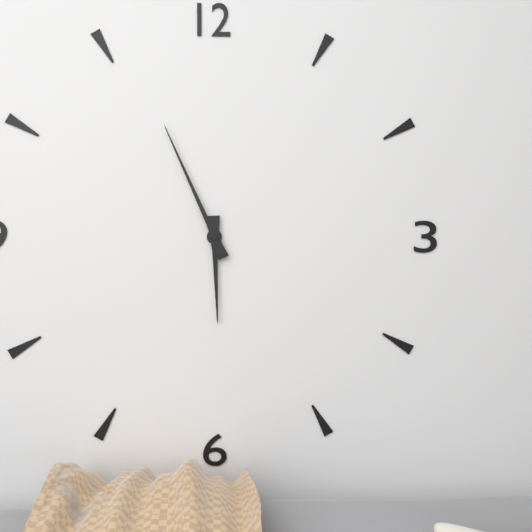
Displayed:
5:56
